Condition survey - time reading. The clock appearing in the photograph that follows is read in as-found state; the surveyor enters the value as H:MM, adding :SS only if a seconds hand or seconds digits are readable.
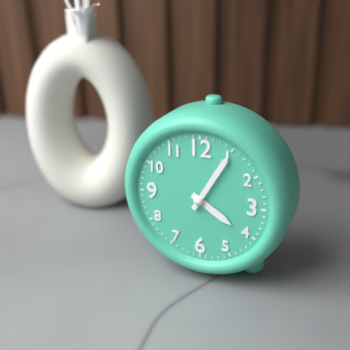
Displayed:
4:05
